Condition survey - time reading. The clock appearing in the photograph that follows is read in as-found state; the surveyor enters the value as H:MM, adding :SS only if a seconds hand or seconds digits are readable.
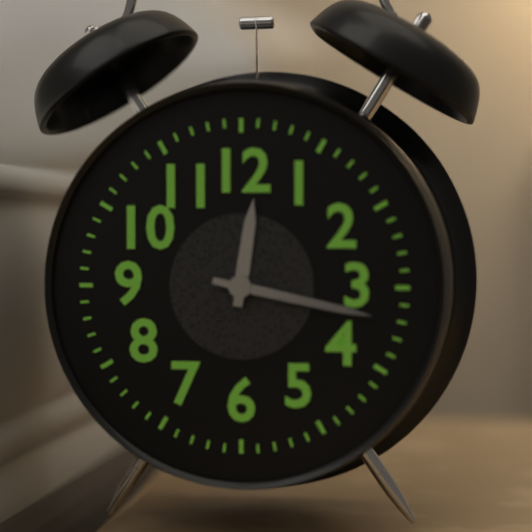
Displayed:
12:17
